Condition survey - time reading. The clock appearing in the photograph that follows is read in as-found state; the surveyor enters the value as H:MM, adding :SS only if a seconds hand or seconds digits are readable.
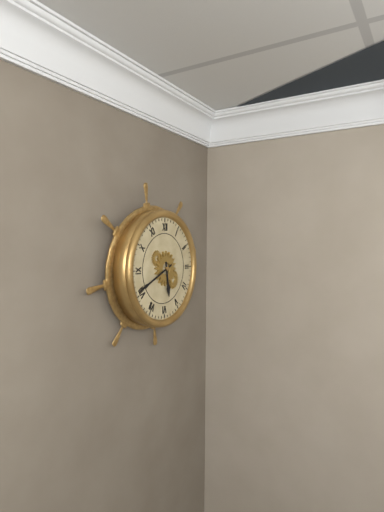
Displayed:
5:41
